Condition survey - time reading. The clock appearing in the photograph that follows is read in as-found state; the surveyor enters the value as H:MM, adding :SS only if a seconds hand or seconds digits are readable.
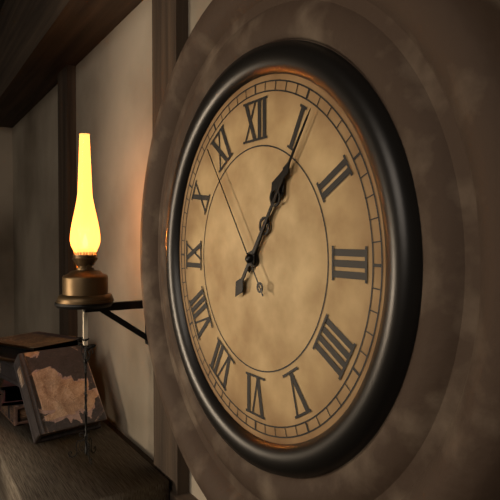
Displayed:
1:06:54
